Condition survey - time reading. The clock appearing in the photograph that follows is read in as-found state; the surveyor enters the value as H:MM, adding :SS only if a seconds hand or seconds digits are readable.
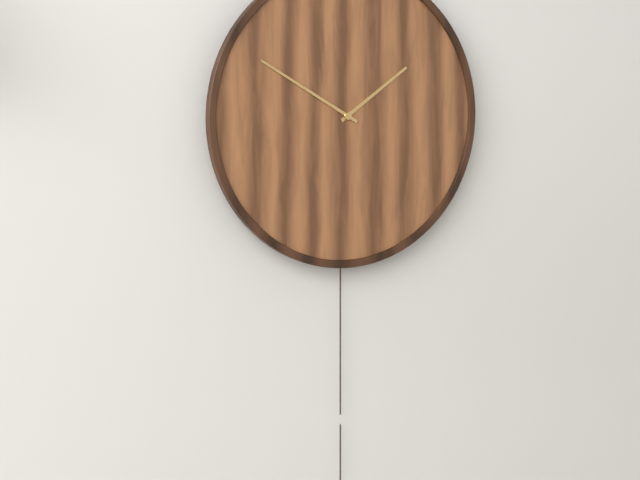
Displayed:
1:50
